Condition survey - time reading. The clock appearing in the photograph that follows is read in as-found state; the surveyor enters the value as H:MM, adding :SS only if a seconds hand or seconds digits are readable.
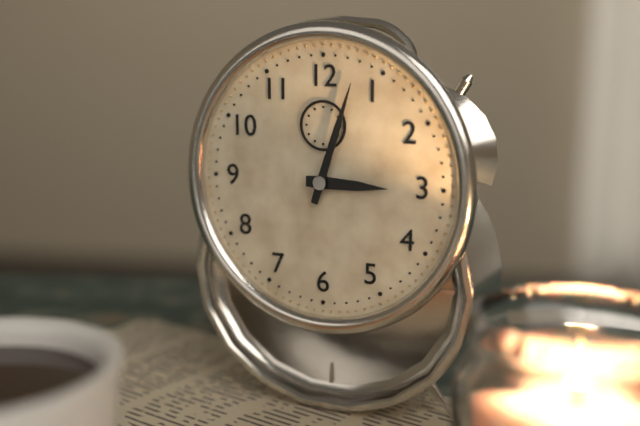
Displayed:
3:03
